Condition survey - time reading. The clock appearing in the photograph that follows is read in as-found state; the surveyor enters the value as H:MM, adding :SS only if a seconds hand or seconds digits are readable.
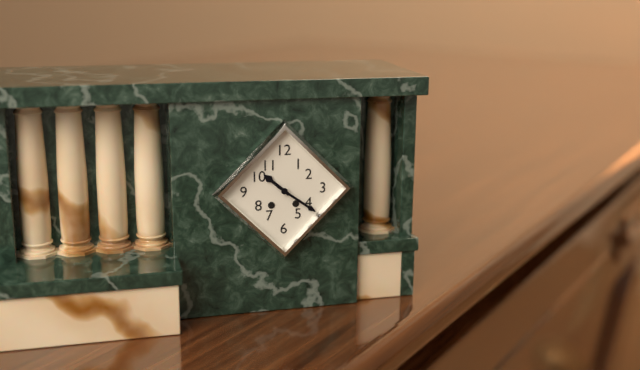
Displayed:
10:21
